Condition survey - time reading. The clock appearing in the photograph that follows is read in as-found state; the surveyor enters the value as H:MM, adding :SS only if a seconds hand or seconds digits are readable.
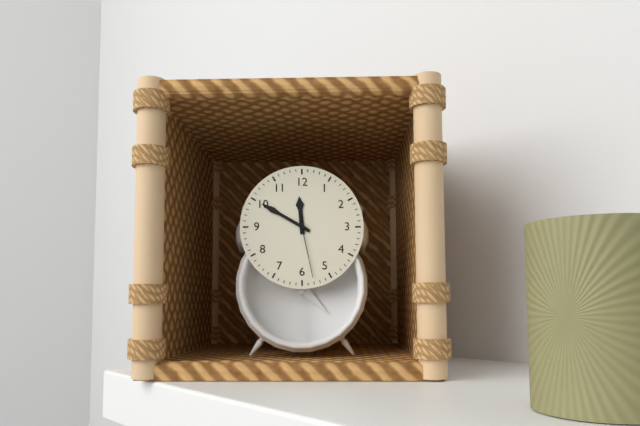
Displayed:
11:50:28
